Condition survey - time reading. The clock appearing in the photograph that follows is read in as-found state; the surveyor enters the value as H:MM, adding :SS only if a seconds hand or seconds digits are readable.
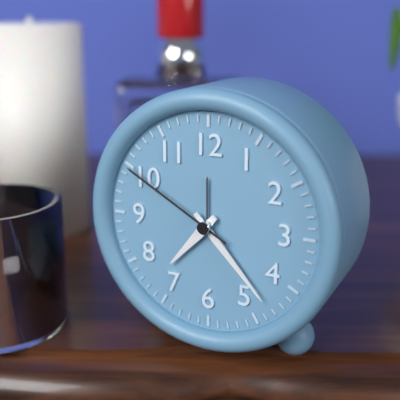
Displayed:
7:23:50
